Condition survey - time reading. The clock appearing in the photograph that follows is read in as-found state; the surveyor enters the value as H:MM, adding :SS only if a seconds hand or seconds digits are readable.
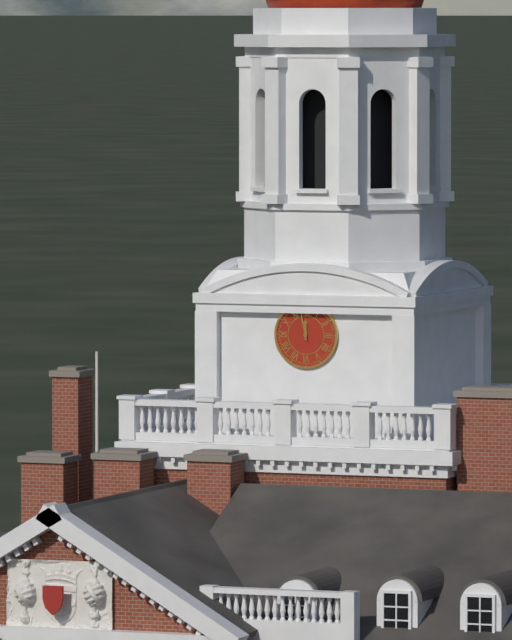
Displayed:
11:58
